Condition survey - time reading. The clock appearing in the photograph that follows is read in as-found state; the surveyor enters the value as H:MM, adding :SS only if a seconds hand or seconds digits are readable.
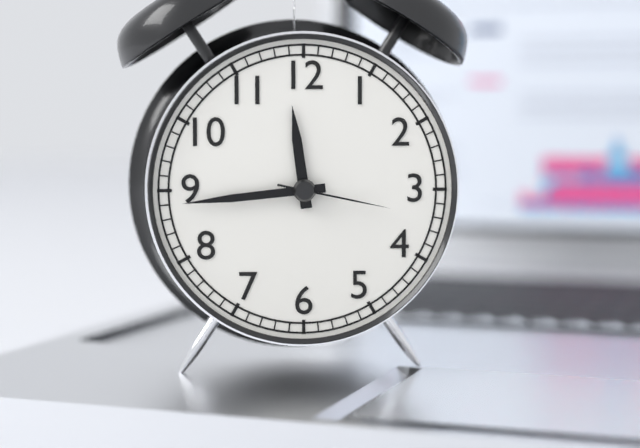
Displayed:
11:44:17
